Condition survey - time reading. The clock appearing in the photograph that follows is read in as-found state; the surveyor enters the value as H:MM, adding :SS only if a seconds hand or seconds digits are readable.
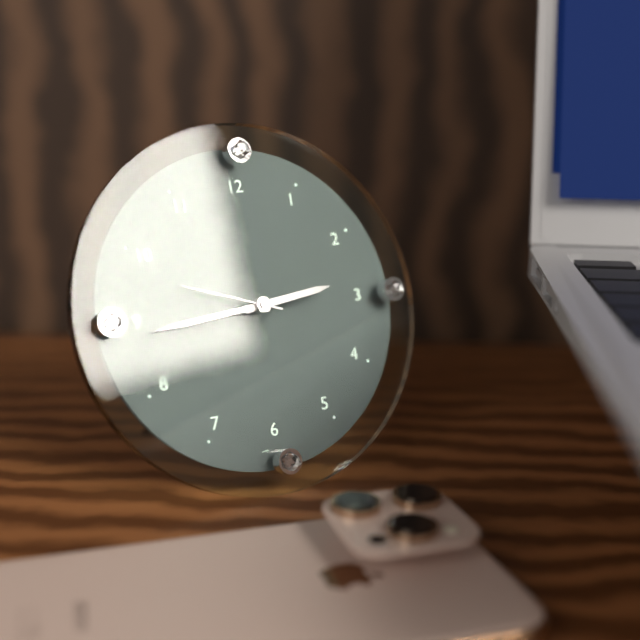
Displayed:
2:44:48
